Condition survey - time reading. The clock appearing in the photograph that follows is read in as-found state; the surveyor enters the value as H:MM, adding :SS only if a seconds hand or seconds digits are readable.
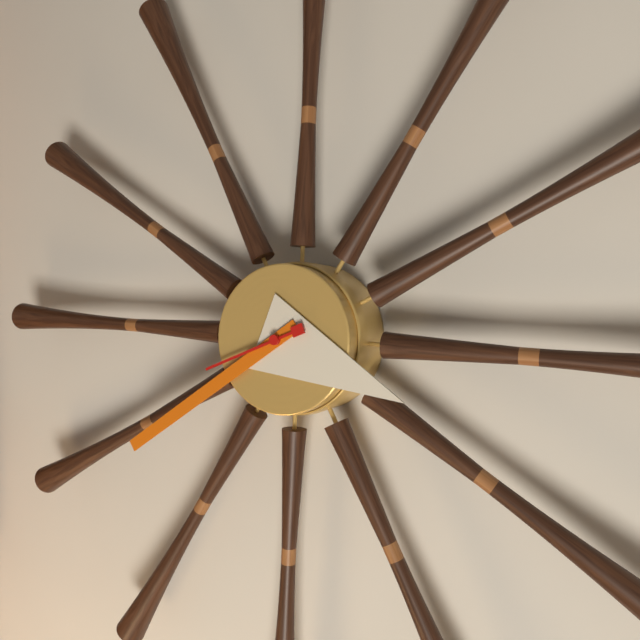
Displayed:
3:39:41
